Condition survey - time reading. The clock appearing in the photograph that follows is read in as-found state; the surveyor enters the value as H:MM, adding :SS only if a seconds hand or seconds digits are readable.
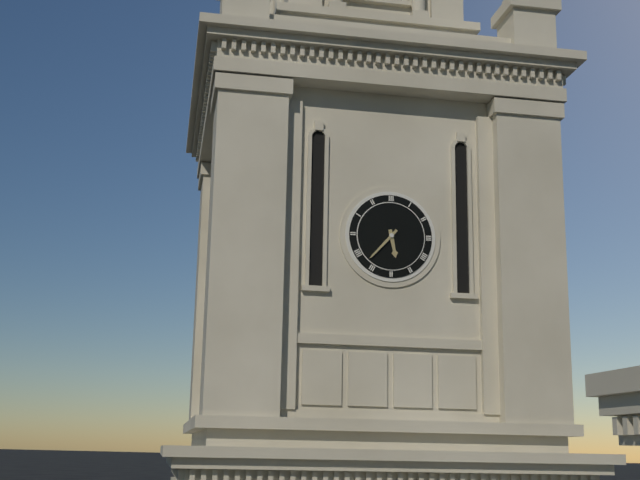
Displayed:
5:37
